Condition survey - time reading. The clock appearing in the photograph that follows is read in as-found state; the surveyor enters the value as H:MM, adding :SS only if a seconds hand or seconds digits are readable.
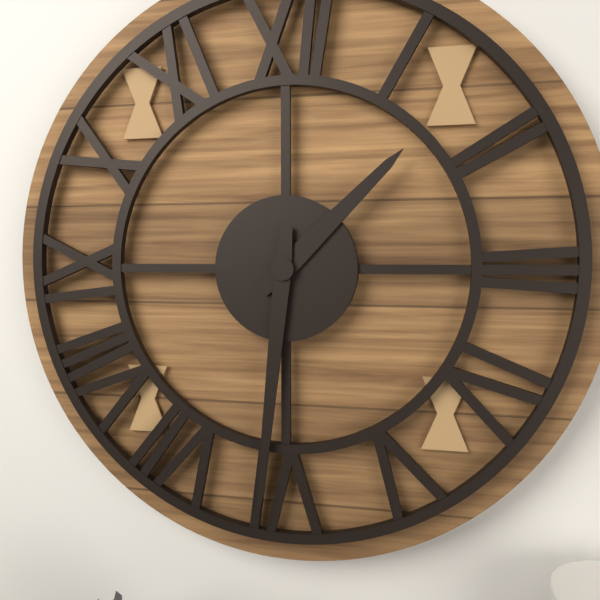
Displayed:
1:31
